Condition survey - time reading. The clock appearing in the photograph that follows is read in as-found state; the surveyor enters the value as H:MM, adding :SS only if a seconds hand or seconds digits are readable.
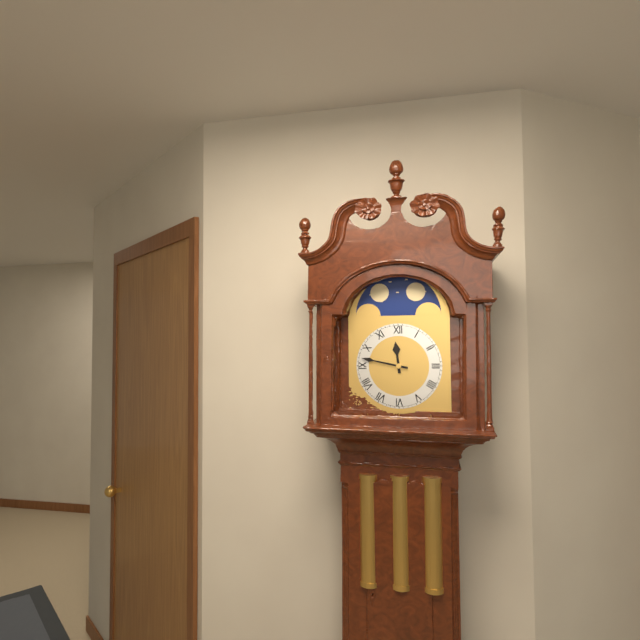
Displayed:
11:47
